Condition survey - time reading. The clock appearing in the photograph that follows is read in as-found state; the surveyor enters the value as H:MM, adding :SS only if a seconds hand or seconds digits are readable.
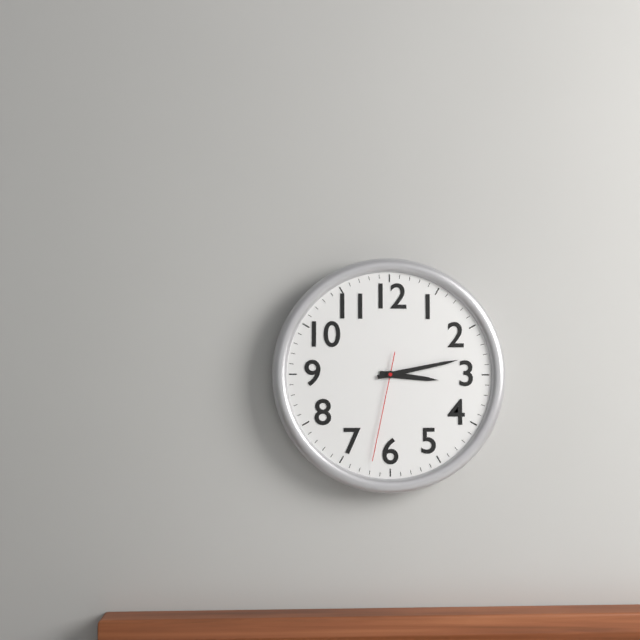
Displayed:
3:13:32
